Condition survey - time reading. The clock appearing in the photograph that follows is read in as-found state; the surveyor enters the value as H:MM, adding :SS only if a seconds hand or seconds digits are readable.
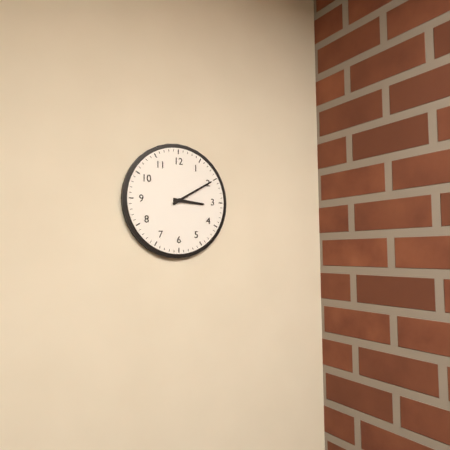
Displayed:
3:10
